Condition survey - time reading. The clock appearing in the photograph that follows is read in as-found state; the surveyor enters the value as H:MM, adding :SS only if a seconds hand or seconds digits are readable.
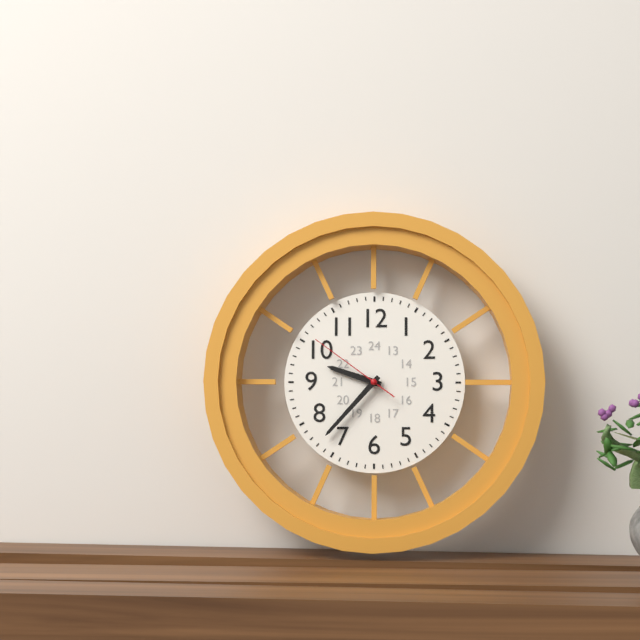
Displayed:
9:37:51
